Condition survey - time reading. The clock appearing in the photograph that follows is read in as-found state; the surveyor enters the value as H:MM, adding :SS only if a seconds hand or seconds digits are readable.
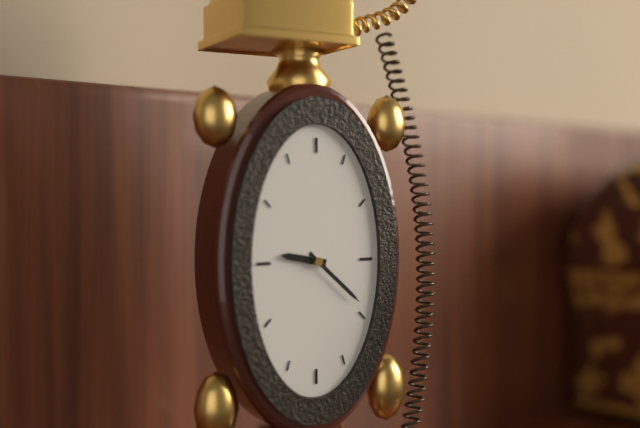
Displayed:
9:22
